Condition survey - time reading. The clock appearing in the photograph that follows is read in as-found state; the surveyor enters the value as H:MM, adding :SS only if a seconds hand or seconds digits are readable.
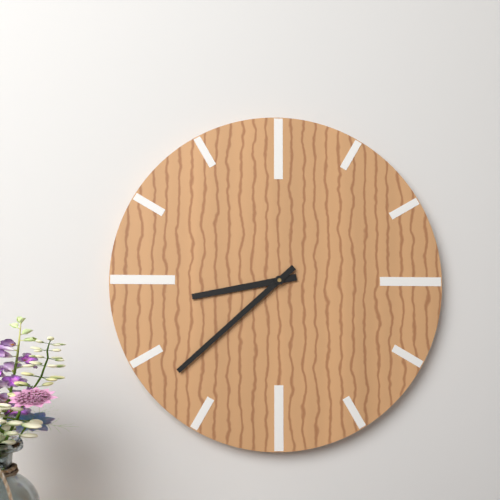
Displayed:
8:38
